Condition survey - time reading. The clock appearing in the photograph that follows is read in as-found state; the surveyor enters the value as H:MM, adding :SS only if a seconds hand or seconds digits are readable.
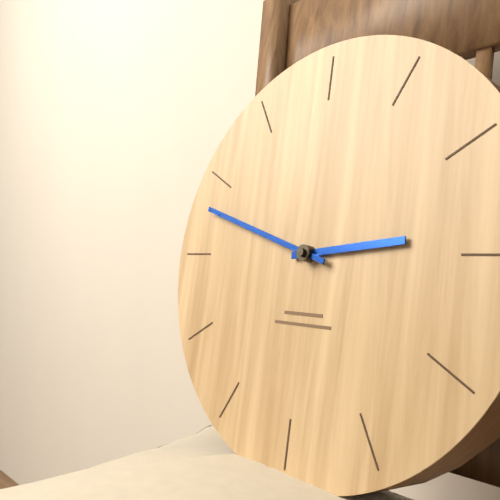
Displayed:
2:48
